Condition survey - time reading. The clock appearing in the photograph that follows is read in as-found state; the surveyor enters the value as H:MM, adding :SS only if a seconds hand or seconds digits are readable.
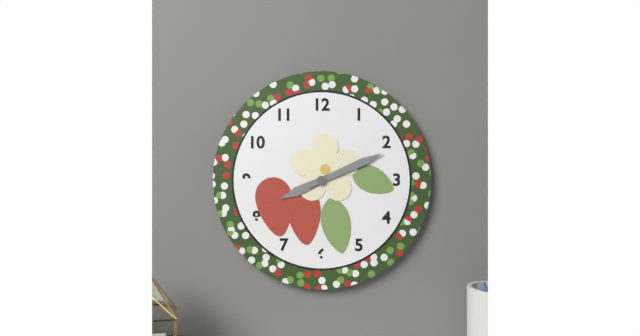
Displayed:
8:11
